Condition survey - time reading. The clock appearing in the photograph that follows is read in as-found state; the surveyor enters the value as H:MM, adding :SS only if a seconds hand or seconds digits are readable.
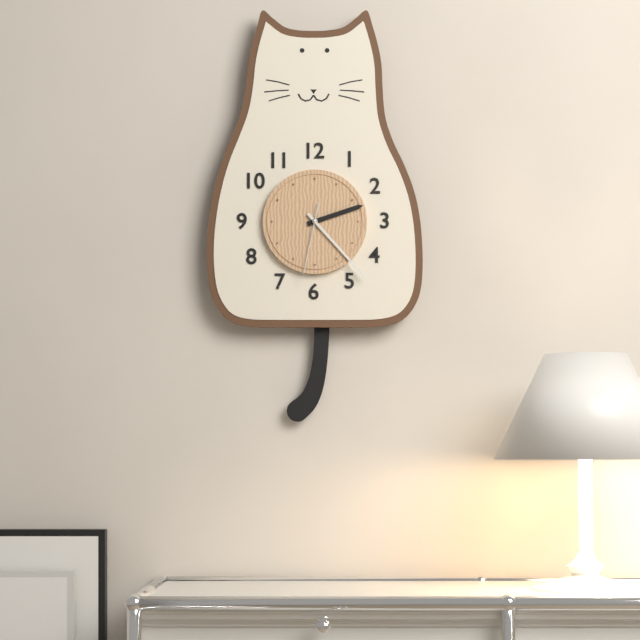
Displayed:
2:23:32
